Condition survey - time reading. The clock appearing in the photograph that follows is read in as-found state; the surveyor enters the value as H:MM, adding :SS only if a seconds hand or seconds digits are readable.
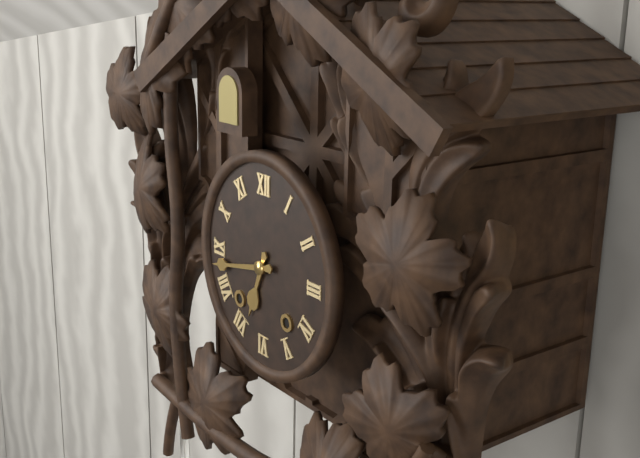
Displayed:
6:43
